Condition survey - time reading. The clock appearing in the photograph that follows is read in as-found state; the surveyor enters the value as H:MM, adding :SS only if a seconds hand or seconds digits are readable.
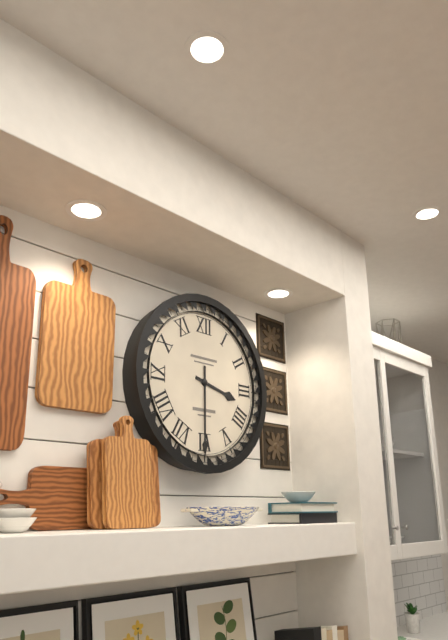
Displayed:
3:30
